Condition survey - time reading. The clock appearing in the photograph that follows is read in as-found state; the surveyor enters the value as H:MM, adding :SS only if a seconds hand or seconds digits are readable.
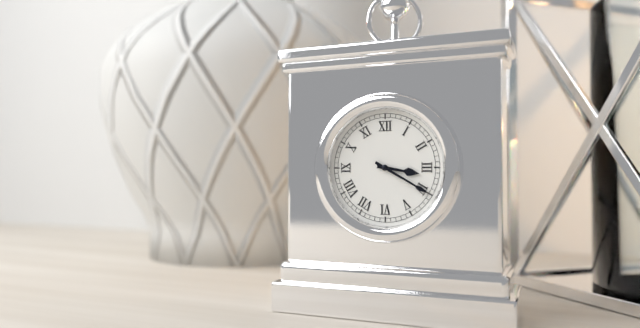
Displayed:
3:20
